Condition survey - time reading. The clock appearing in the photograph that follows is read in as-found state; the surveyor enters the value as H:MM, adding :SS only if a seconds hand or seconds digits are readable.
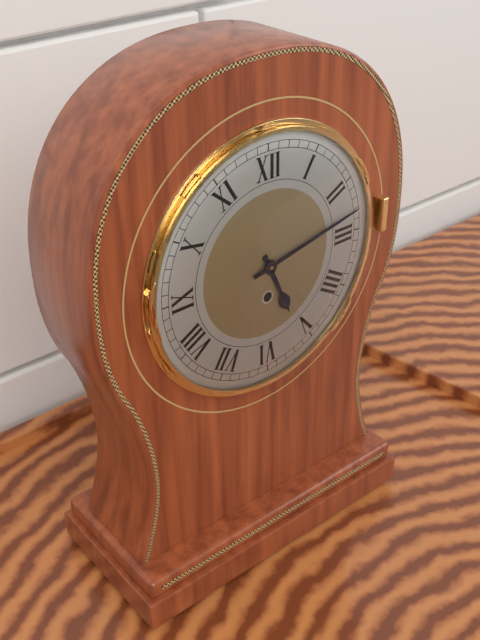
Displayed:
5:13
